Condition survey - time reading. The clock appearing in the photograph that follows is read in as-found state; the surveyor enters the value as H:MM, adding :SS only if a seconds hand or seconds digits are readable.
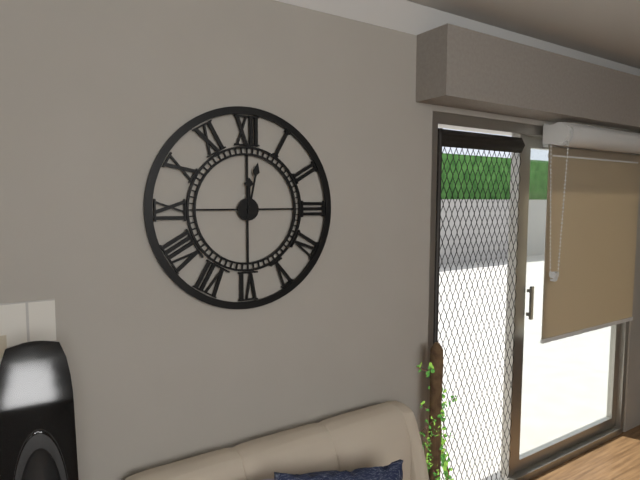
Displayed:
12:02
